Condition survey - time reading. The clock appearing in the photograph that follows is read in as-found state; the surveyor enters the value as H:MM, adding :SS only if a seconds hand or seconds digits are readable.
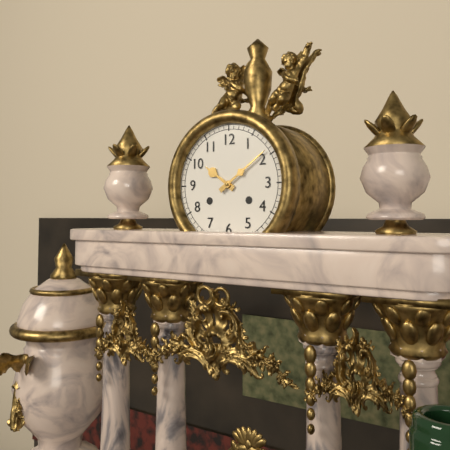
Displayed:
10:09
